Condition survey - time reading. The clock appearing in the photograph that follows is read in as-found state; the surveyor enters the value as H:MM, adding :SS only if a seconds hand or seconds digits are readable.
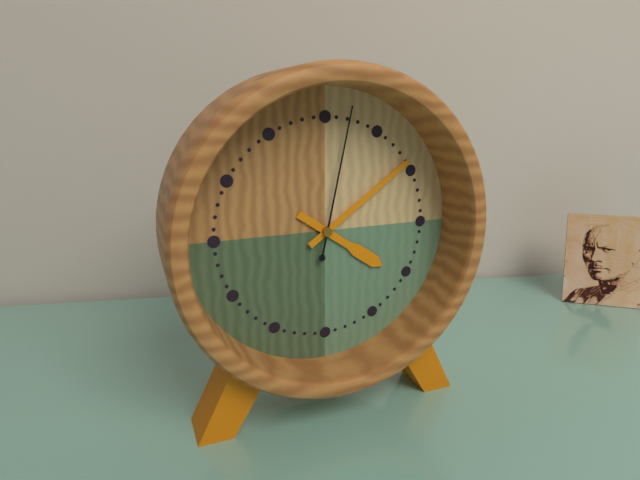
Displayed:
4:09:02
